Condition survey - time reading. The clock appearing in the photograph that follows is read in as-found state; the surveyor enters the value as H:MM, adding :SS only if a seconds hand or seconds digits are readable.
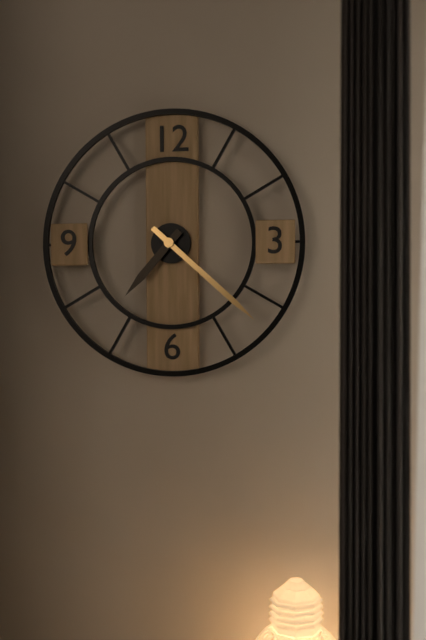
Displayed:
7:22
